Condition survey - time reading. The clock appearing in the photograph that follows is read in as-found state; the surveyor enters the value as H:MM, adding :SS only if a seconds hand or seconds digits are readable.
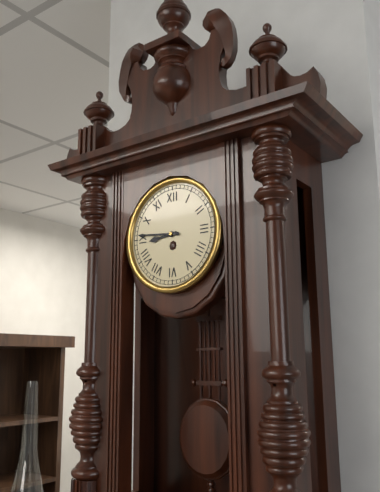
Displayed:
8:46
